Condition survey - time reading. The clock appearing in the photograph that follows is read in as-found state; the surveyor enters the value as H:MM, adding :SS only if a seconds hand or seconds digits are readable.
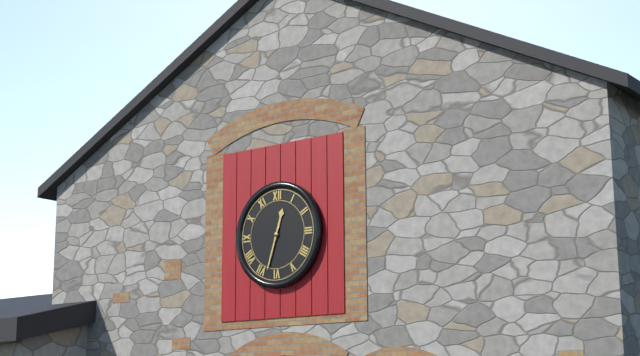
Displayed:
12:33
